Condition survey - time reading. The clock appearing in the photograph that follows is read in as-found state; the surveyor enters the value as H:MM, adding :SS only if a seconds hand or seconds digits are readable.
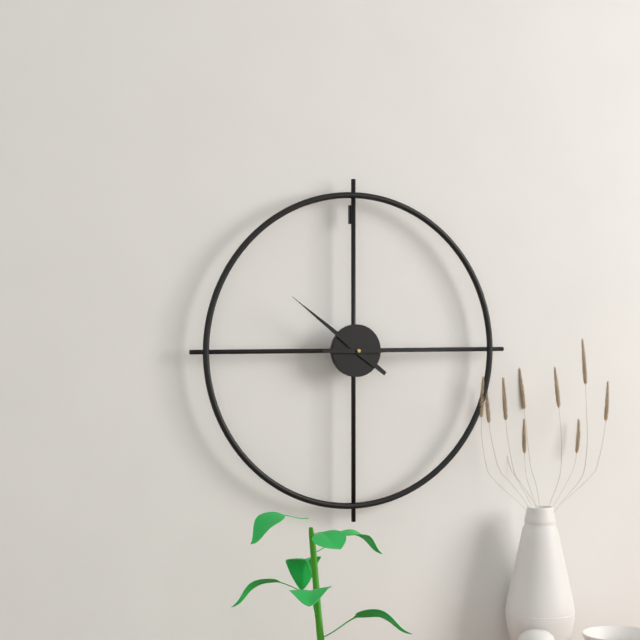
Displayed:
10:15
